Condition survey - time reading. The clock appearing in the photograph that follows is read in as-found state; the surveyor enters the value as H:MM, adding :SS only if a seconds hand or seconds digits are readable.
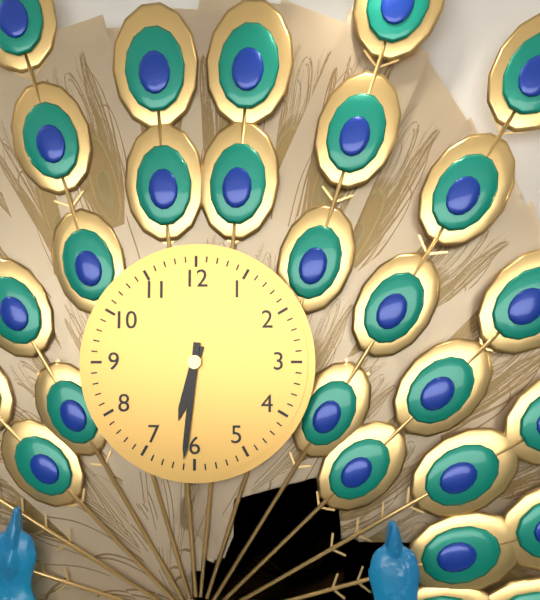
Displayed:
6:31
